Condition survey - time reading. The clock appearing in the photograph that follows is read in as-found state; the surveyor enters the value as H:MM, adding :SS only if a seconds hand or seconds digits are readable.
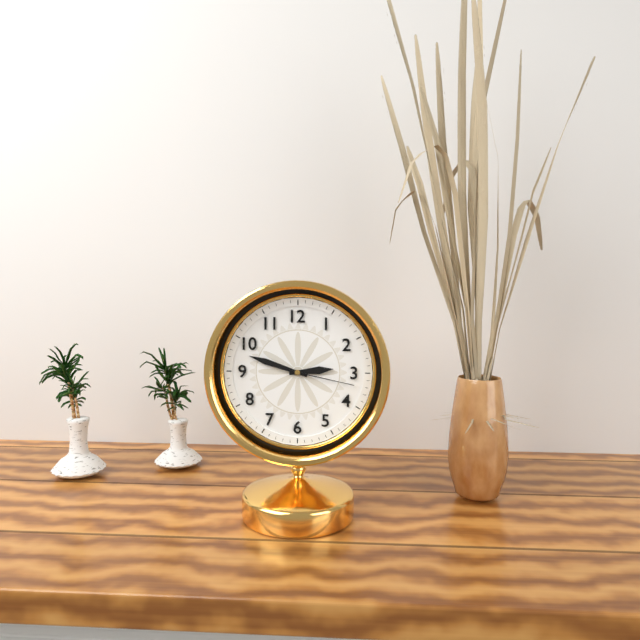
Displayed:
2:48:17
